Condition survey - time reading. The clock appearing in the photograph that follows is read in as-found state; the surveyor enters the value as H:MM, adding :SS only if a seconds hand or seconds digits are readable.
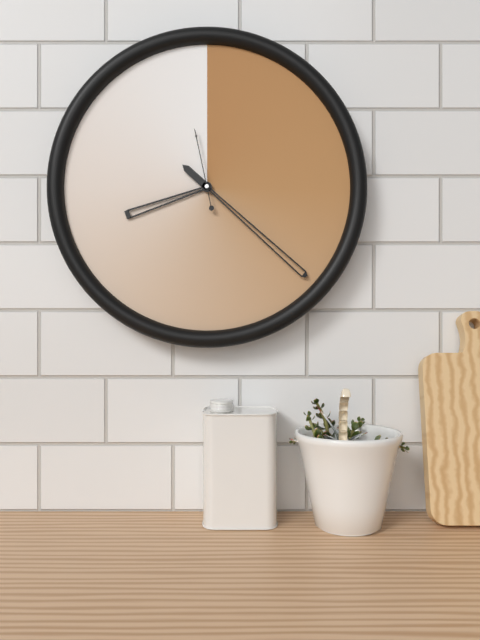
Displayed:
8:22:58
